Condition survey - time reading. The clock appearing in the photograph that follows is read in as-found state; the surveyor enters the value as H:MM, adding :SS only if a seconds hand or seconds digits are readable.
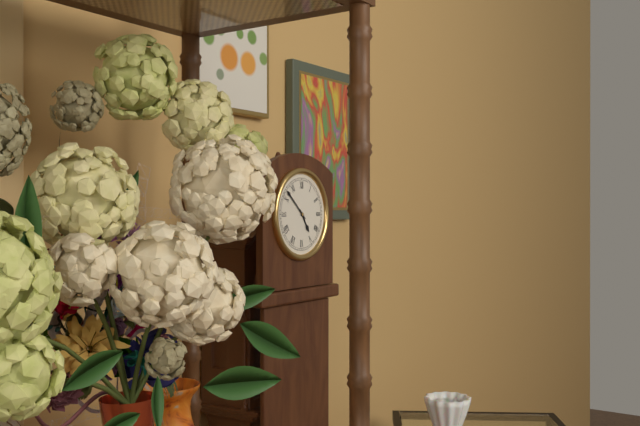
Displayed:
4:52
